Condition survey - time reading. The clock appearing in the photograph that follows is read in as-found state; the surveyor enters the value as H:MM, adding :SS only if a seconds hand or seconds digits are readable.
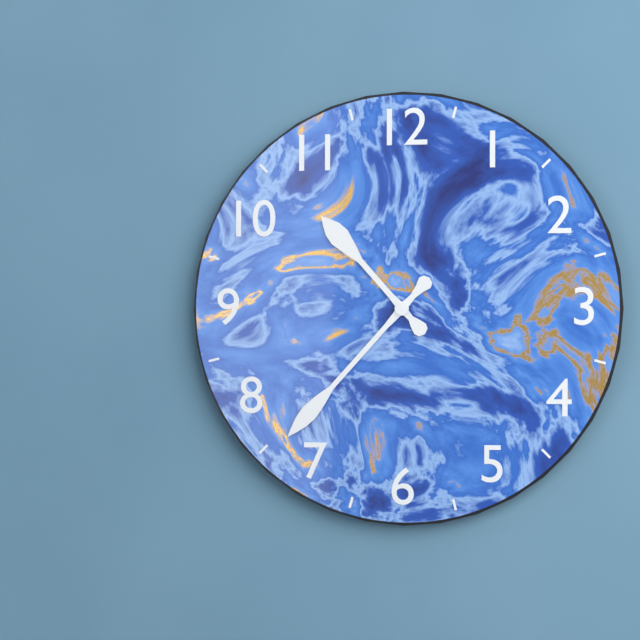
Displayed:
10:37
